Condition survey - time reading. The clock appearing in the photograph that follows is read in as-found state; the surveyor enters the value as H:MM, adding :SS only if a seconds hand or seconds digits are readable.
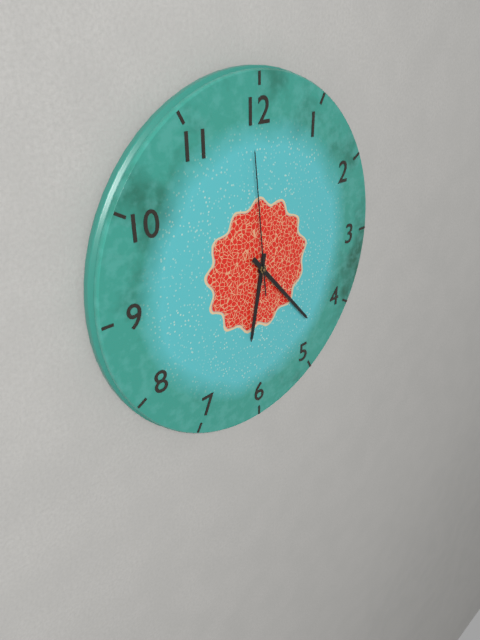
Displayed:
6:23:59
